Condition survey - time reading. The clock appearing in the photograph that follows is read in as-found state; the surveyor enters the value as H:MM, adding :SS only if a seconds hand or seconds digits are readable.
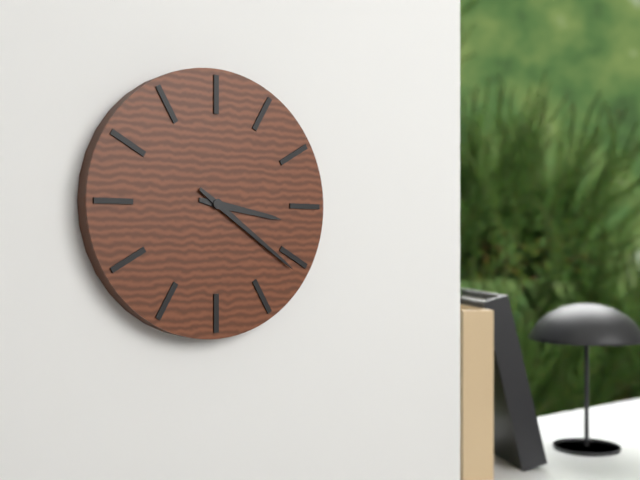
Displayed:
3:21
